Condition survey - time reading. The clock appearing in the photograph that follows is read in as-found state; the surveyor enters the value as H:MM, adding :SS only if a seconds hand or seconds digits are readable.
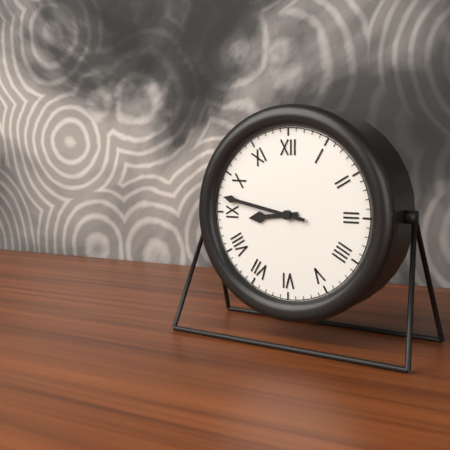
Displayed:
8:47
